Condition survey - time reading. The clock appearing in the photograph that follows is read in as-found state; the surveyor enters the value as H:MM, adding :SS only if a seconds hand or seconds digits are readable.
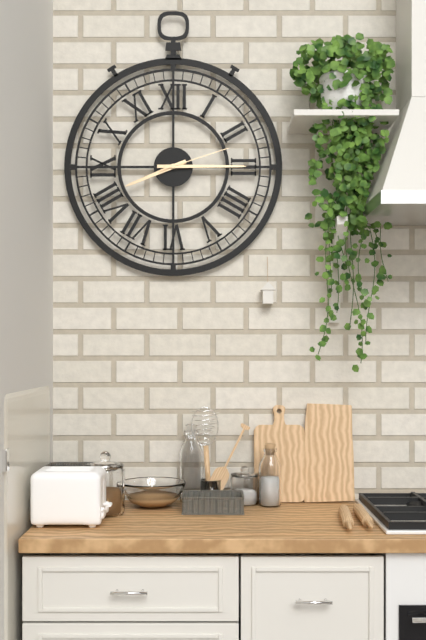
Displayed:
8:15:12
